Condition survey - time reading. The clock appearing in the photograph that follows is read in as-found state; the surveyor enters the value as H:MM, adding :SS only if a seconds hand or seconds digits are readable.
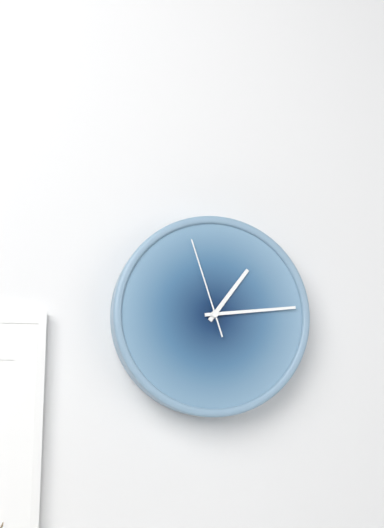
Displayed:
1:14:57
